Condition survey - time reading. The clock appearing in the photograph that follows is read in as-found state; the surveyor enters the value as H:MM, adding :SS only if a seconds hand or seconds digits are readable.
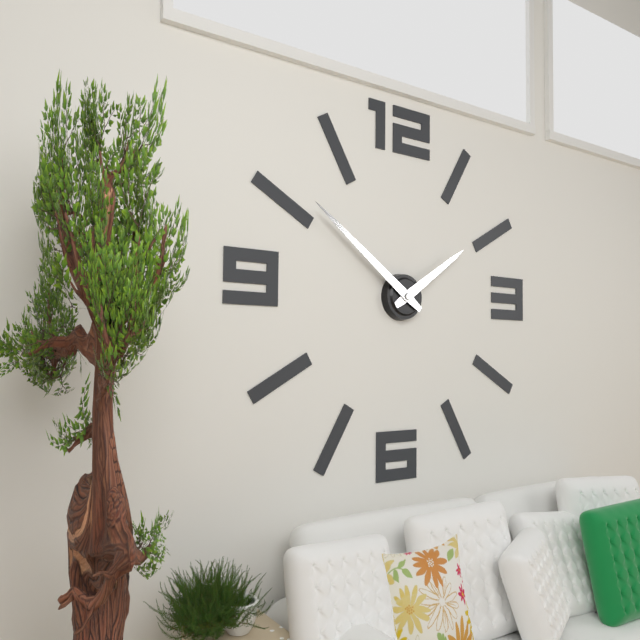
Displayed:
1:51
